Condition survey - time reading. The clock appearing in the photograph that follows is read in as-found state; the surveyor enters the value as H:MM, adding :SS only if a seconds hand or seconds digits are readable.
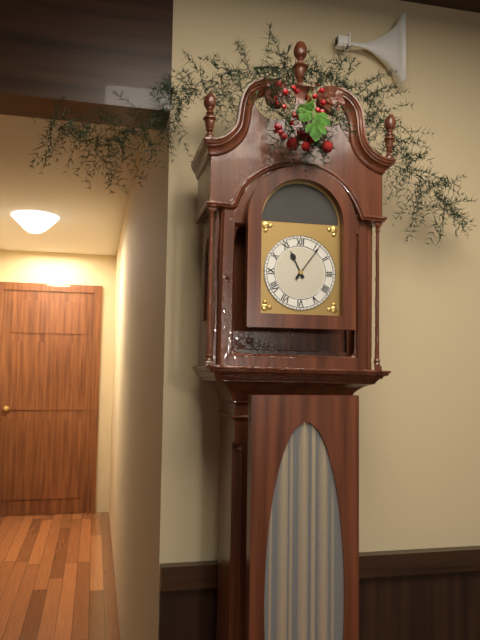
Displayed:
11:06
